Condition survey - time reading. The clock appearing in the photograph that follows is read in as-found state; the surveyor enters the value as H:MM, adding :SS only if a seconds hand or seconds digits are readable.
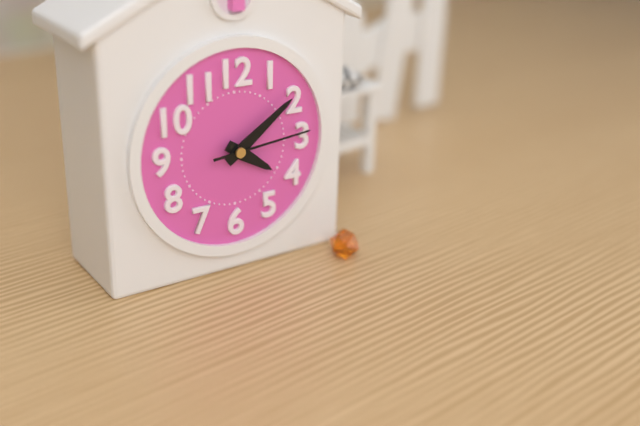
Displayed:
4:09:14
